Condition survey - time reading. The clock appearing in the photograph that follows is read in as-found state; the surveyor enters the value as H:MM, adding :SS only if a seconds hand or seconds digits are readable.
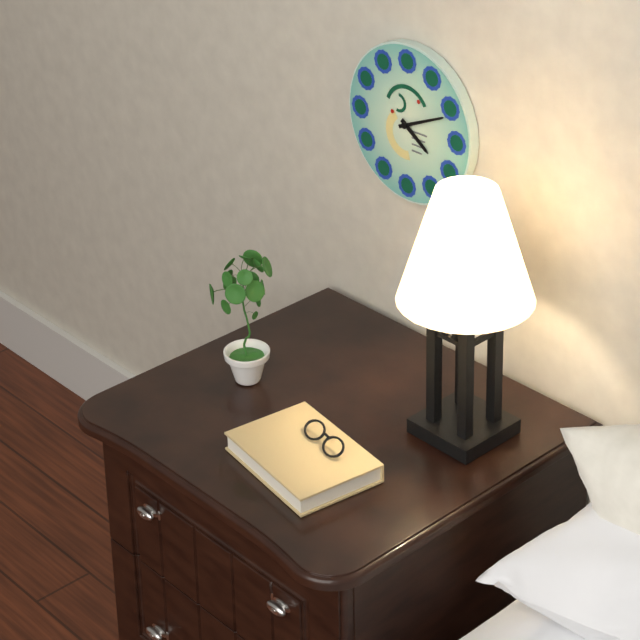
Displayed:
4:11
